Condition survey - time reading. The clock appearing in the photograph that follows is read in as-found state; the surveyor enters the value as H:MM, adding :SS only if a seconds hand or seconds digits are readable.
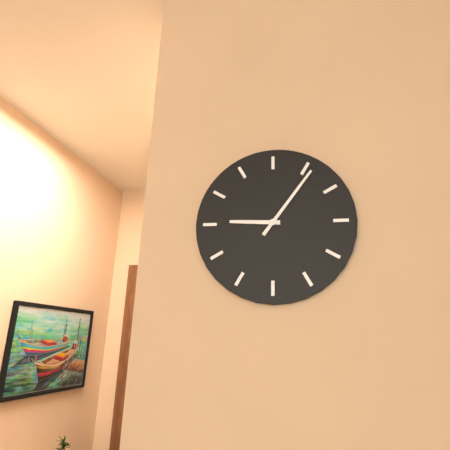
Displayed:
9:06
